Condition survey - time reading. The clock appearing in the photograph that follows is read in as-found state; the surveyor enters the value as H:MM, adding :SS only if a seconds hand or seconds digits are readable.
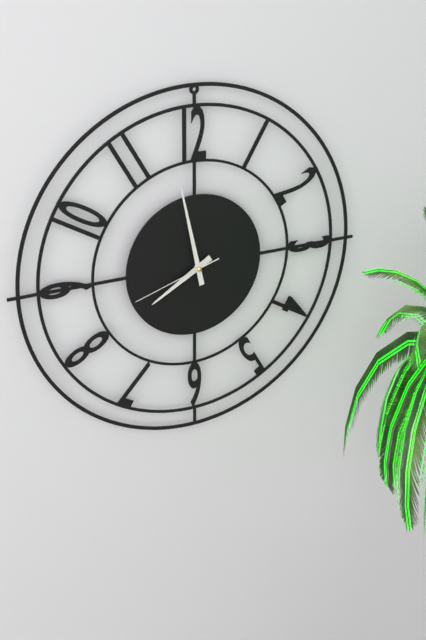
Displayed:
7:58:42
